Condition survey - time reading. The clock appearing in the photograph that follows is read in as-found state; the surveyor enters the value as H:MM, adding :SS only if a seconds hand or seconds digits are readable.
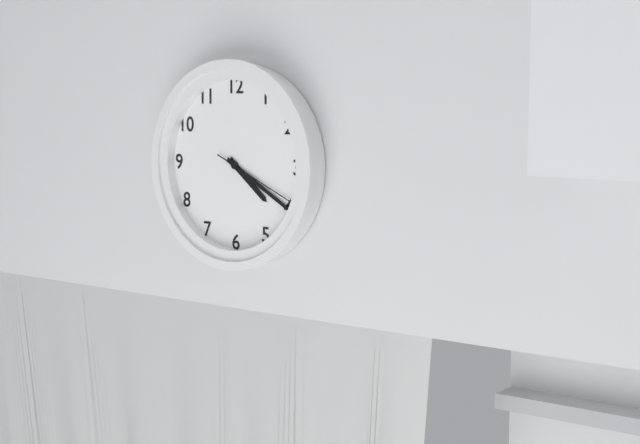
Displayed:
4:20:19
